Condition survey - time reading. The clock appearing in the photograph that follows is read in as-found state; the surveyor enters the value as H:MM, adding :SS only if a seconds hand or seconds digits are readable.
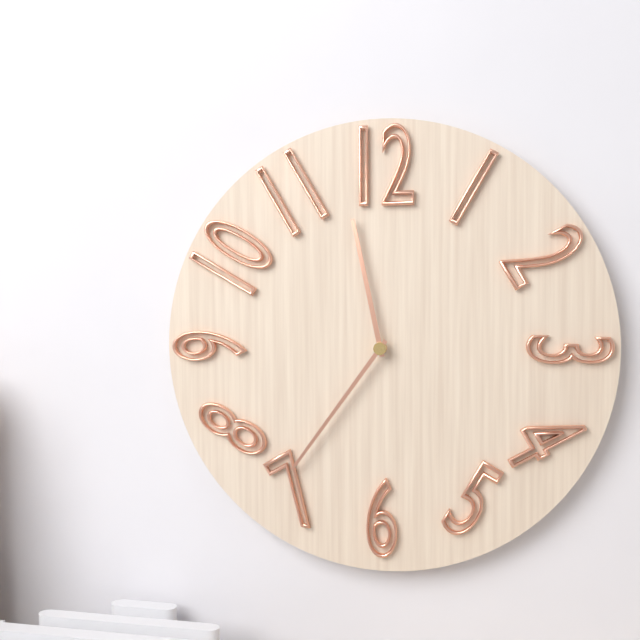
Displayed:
11:36
